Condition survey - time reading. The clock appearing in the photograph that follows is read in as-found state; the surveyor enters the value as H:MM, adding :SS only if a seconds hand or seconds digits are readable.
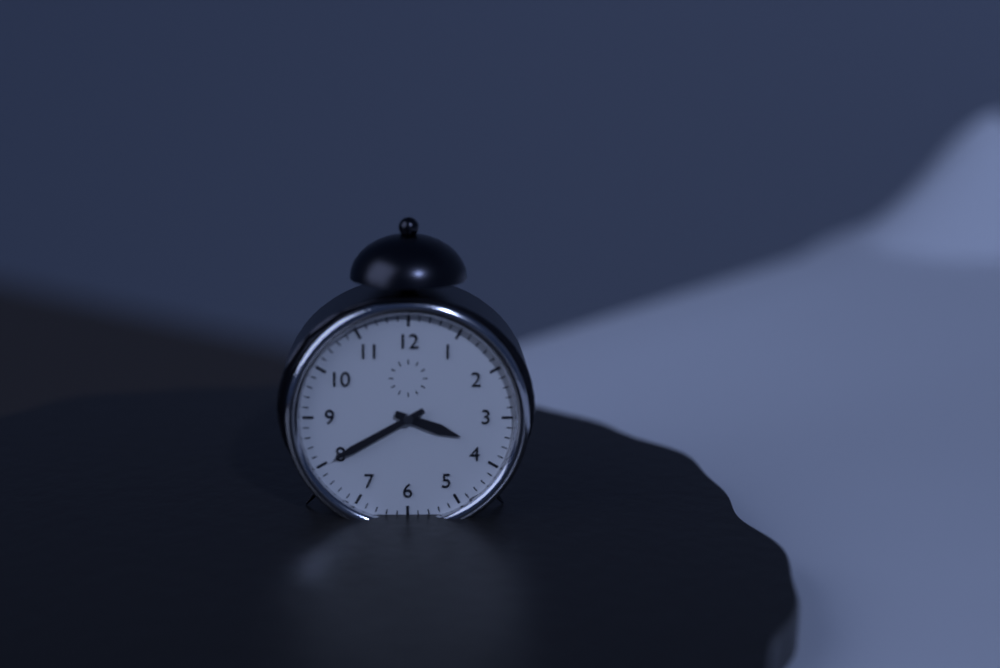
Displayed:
3:40
